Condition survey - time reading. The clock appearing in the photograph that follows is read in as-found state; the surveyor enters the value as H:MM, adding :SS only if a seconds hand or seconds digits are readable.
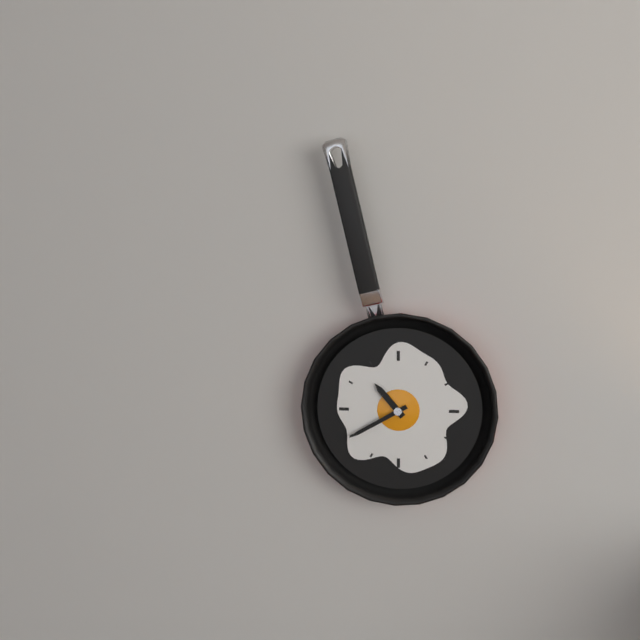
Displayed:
10:40
